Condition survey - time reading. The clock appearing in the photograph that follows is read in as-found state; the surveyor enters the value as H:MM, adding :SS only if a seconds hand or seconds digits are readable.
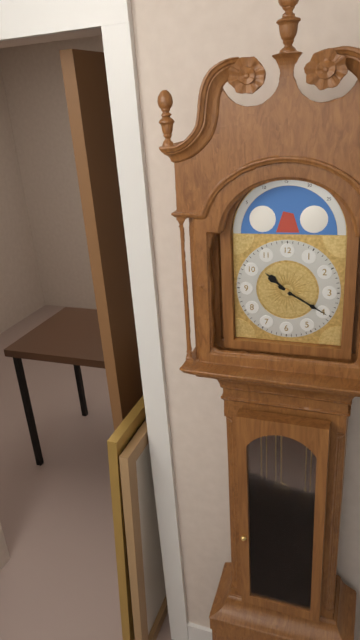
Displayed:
10:20
